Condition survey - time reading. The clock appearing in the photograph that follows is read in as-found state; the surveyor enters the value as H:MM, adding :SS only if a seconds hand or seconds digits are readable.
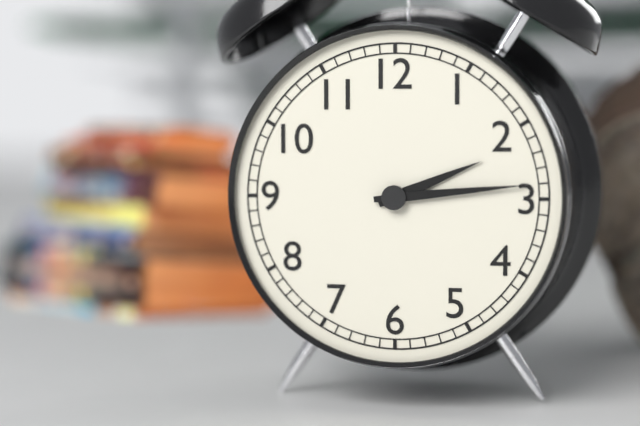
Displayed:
2:14
